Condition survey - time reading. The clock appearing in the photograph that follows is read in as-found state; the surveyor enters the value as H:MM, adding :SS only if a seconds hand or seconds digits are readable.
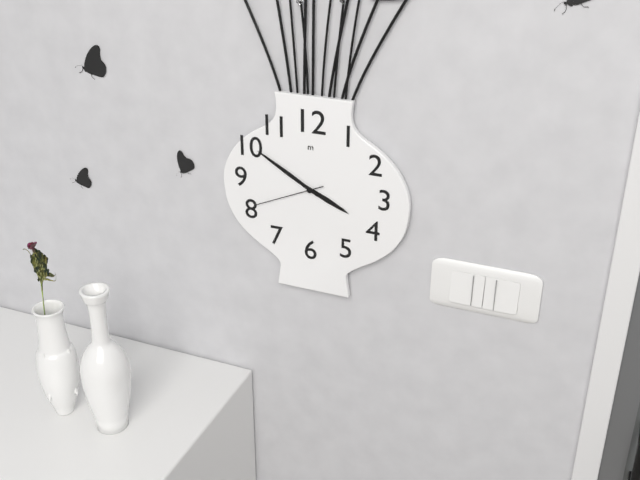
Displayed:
3:50:41
